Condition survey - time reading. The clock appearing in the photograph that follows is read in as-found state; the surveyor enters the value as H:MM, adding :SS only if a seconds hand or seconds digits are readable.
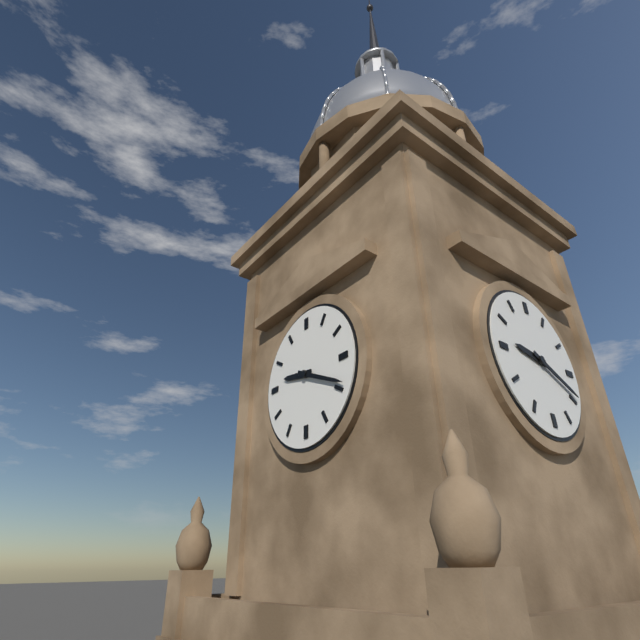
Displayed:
9:19
